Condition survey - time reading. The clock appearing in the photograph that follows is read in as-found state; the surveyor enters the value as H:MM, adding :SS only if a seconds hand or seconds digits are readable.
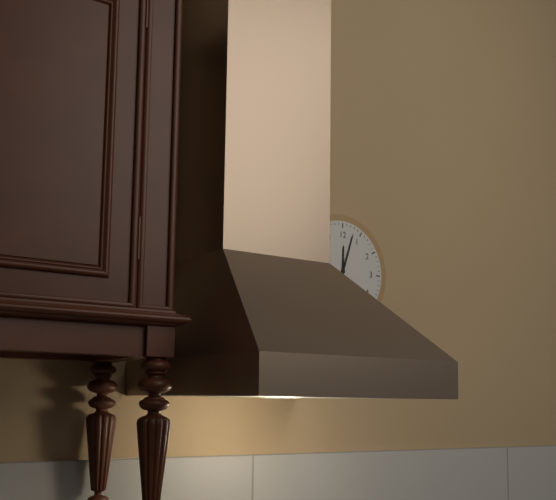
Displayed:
12:03
